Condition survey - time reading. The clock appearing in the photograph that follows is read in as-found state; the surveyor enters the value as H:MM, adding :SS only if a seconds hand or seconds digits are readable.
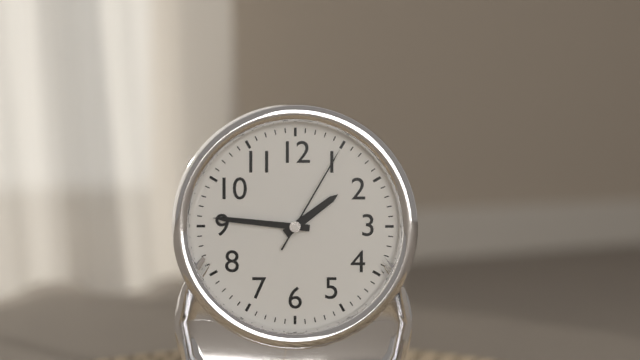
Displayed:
1:46:05
